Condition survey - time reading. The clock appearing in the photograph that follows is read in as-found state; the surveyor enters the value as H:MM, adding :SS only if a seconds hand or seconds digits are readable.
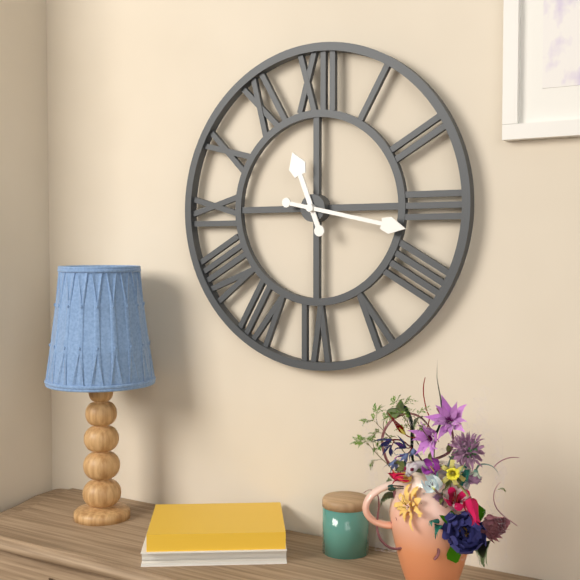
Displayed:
11:17
